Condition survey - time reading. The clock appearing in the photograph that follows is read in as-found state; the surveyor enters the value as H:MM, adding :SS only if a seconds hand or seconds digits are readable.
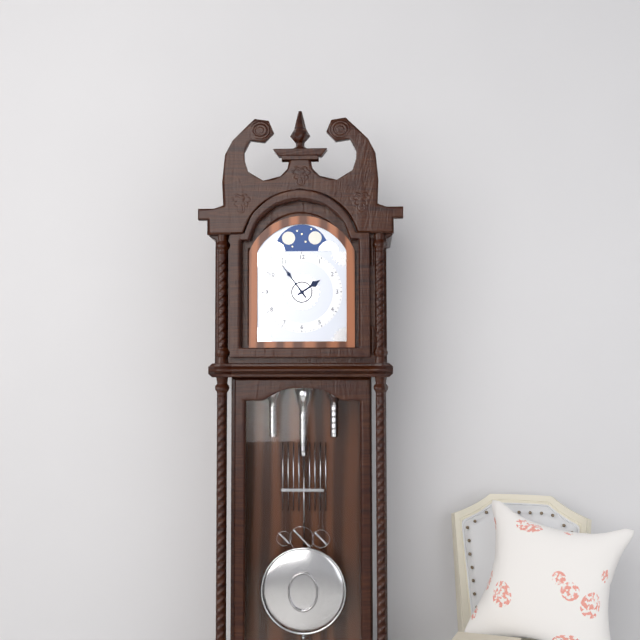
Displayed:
1:54
